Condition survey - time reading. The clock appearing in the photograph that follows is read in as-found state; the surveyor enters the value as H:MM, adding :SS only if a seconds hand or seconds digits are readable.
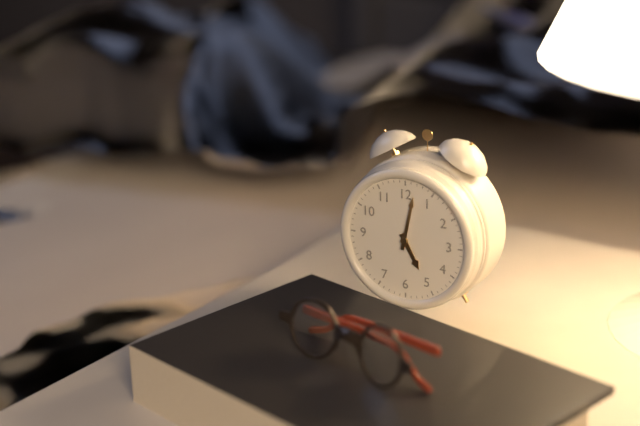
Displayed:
5:02
